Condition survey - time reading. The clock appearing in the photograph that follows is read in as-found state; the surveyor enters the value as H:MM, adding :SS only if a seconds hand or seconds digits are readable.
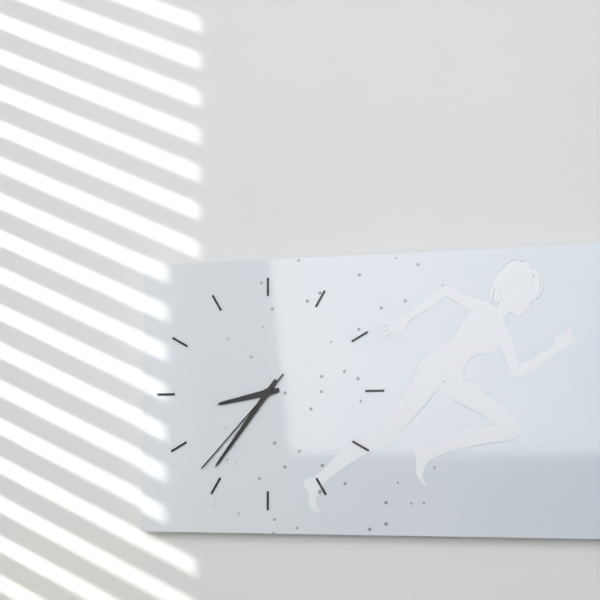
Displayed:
8:36:37
